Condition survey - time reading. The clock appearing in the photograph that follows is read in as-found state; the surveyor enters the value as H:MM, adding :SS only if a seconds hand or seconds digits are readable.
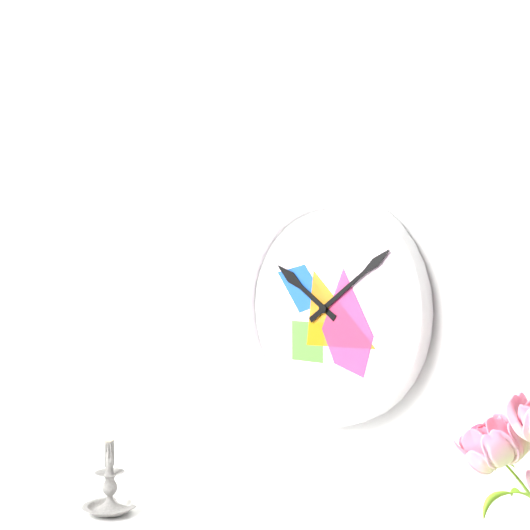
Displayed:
10:09
